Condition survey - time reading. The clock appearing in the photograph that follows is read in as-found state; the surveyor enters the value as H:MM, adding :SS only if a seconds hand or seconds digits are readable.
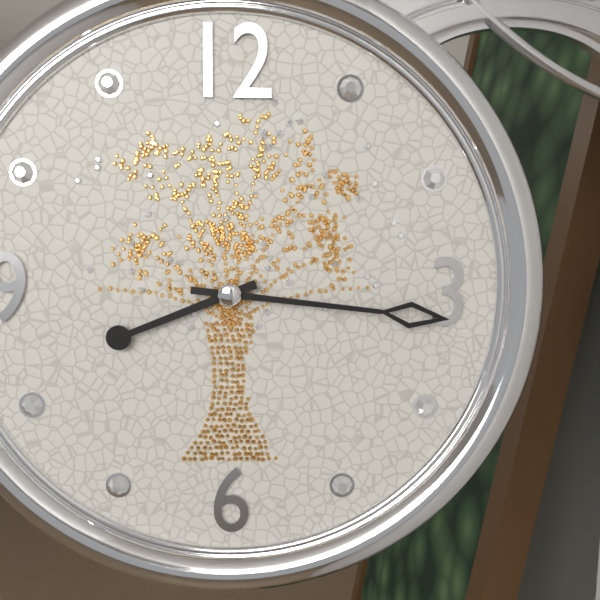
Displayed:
8:16
